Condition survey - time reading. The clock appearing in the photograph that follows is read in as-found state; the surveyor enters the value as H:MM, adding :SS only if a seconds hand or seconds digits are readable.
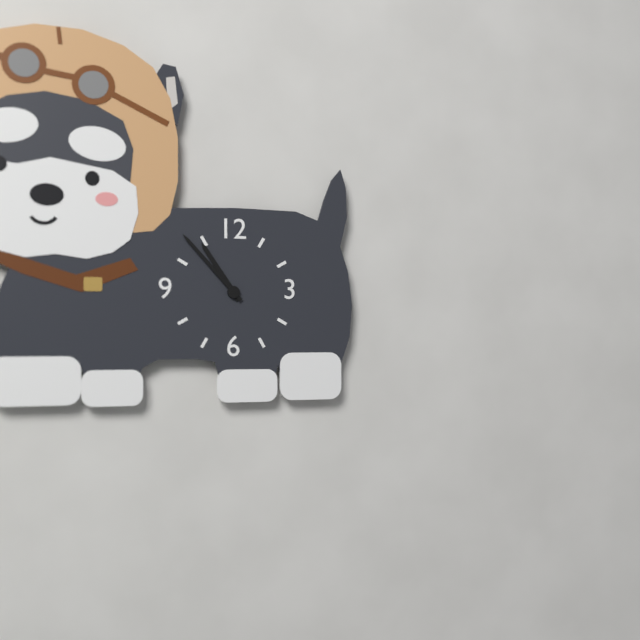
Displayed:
10:53
